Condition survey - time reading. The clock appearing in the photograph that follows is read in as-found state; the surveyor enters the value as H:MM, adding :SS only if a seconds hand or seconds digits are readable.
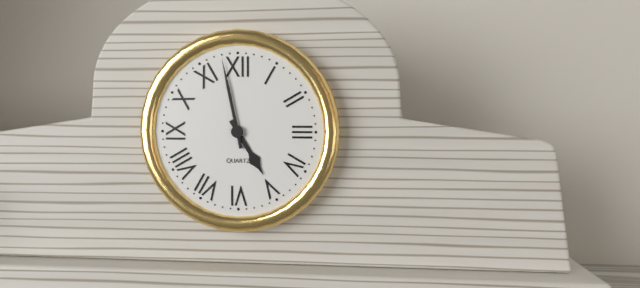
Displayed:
4:58
